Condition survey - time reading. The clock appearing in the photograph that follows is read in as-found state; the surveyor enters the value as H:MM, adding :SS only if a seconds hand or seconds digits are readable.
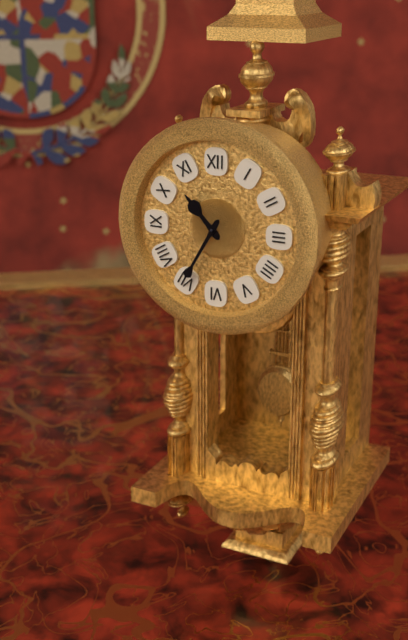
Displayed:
10:35
